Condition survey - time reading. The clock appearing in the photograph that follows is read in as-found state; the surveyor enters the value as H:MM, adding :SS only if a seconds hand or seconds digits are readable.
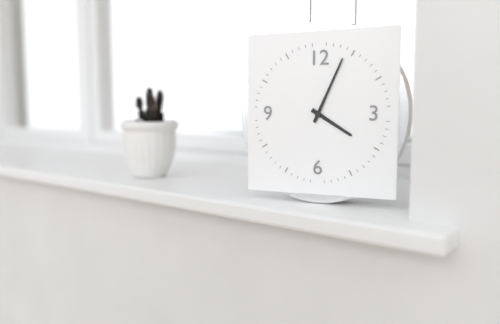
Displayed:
4:04
